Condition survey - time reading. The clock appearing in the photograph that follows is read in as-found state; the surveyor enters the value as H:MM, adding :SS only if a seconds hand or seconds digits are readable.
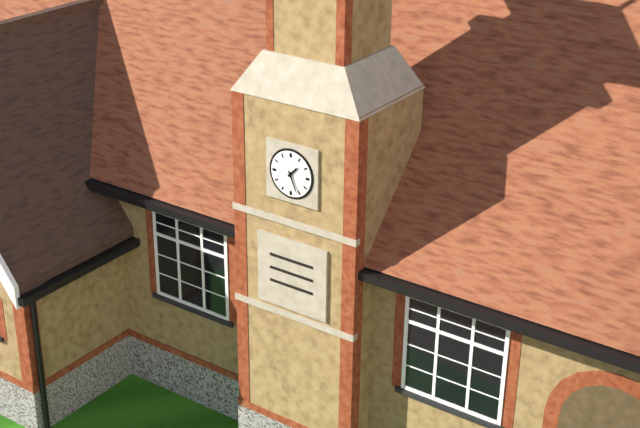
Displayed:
1:26
